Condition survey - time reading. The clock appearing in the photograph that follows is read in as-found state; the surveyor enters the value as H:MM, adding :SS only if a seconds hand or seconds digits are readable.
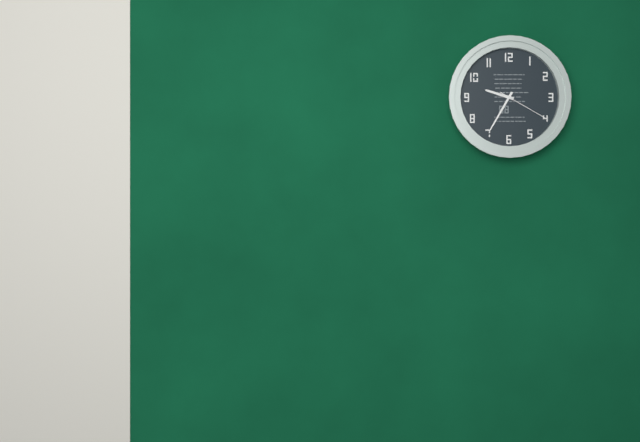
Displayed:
9:35:20
